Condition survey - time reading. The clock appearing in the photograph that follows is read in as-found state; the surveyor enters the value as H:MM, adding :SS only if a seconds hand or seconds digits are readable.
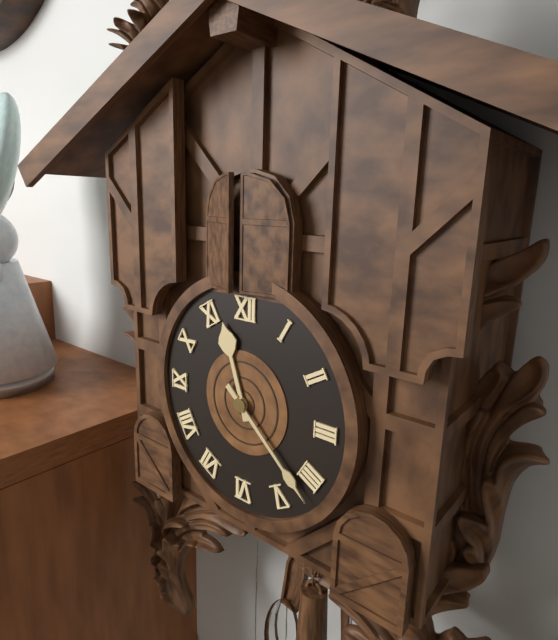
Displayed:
11:22
